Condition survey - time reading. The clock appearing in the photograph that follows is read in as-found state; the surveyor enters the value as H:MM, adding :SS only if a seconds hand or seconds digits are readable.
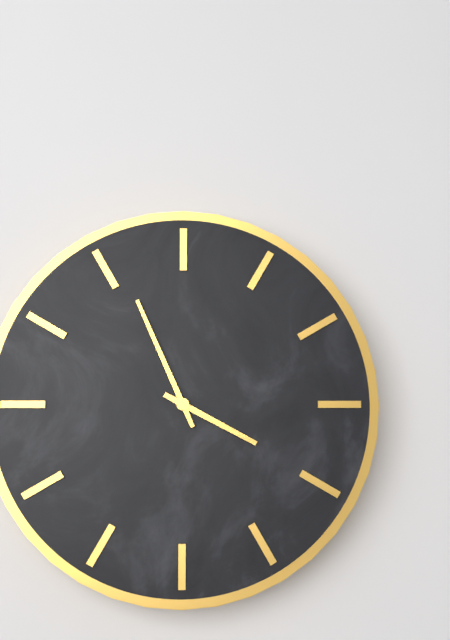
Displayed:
3:56
